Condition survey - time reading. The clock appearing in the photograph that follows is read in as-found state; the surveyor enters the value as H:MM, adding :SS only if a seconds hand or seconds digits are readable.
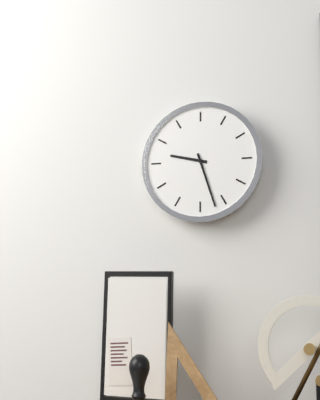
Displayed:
9:27
